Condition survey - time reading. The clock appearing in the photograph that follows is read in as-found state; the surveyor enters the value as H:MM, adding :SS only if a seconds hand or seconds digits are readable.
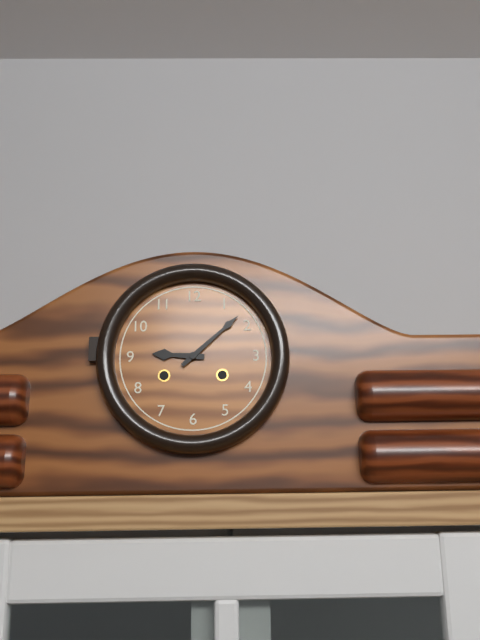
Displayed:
9:08
